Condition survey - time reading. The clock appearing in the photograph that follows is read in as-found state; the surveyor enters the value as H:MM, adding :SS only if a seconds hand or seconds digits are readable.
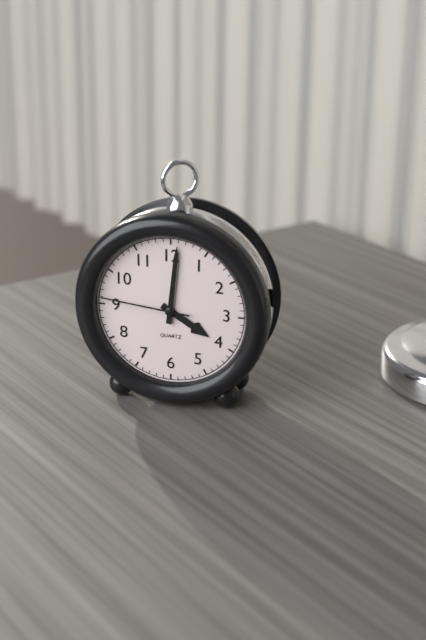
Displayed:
4:01:46
